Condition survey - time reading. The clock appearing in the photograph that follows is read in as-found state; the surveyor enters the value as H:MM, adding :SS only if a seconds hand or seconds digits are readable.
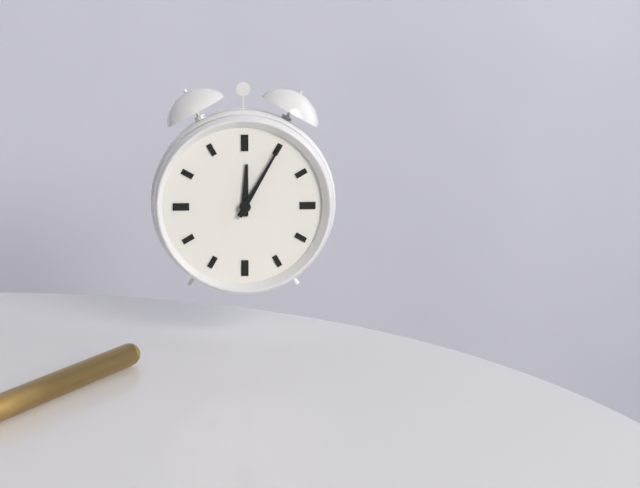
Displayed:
12:05
